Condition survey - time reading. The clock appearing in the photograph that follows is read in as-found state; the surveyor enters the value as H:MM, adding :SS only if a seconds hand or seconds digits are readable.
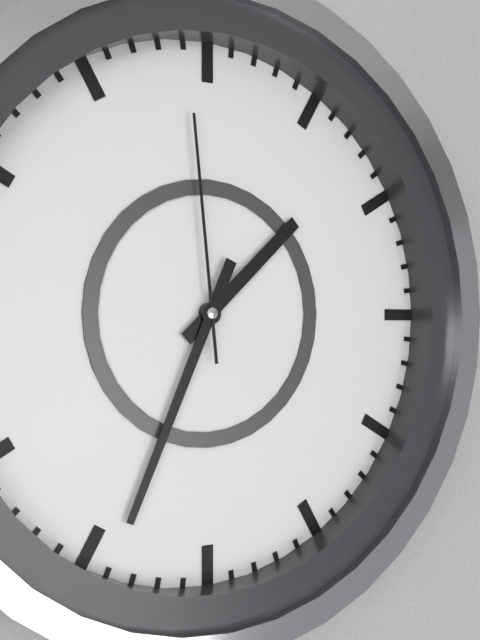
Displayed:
1:34:59
